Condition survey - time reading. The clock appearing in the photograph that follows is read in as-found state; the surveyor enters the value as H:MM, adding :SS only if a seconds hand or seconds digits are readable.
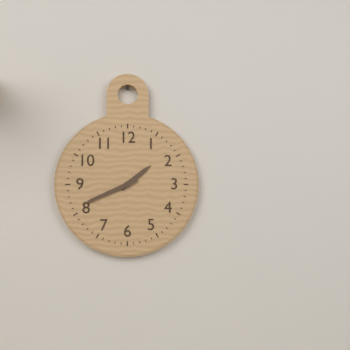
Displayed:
1:41
